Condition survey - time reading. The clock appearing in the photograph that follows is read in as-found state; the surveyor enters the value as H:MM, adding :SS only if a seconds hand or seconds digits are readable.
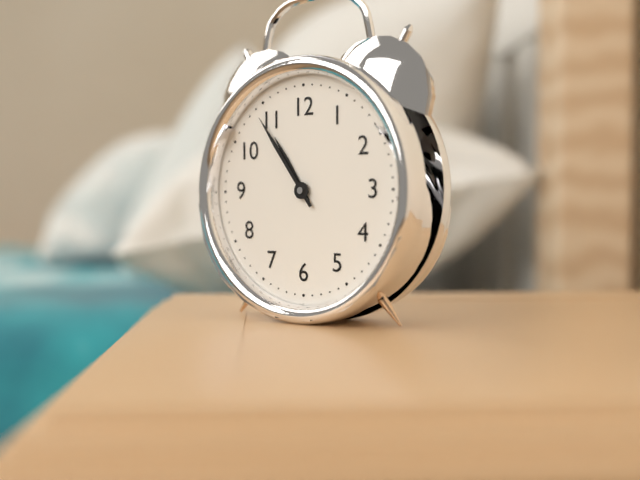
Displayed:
10:54
